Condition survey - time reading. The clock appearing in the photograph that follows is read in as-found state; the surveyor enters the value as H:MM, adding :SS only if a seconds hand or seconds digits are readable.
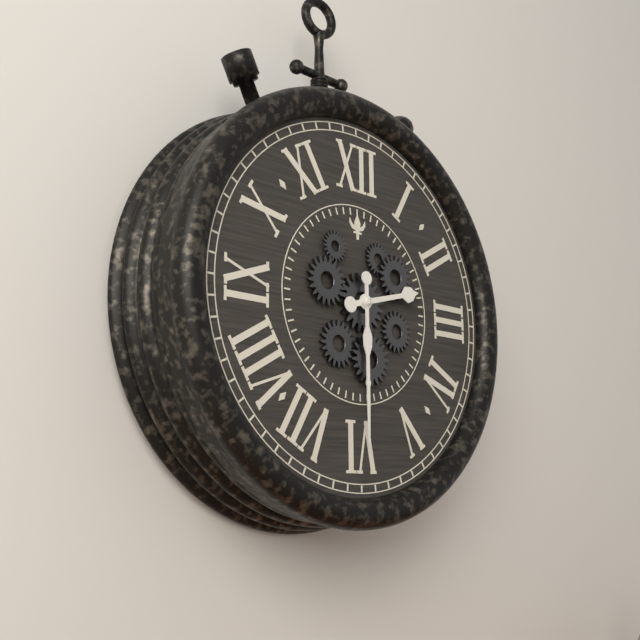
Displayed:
2:30
